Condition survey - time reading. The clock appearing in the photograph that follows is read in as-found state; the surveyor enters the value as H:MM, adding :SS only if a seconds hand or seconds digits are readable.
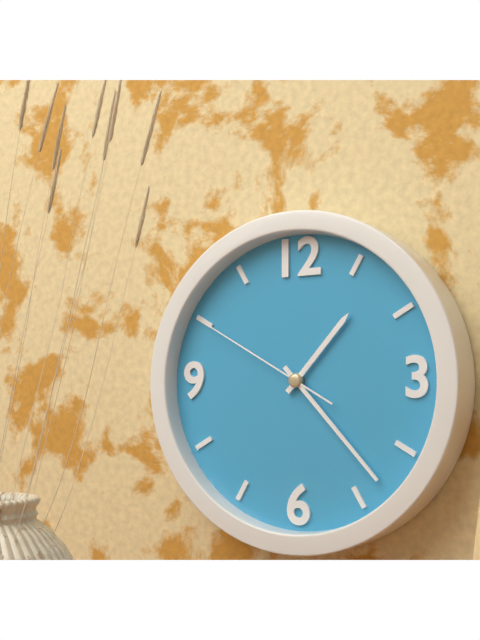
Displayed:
1:23:50
